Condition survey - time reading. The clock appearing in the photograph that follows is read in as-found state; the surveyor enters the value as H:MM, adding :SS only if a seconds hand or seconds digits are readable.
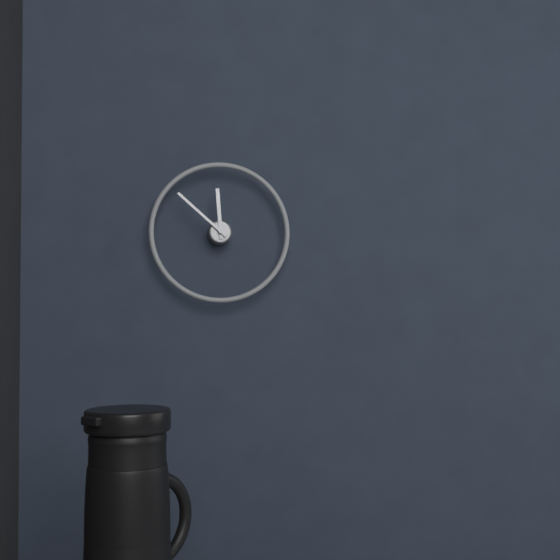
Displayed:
11:52
